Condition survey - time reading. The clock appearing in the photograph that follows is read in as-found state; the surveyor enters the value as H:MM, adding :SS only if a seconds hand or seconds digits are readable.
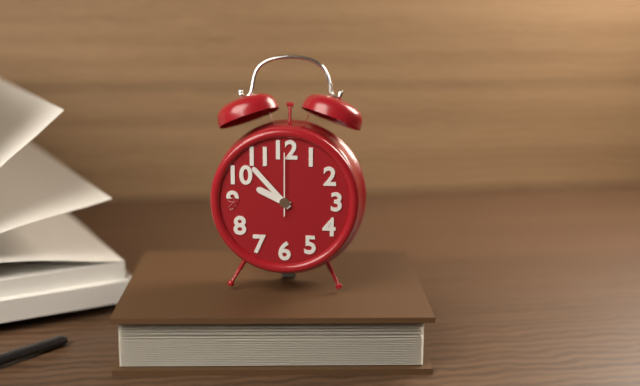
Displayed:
9:53:00
